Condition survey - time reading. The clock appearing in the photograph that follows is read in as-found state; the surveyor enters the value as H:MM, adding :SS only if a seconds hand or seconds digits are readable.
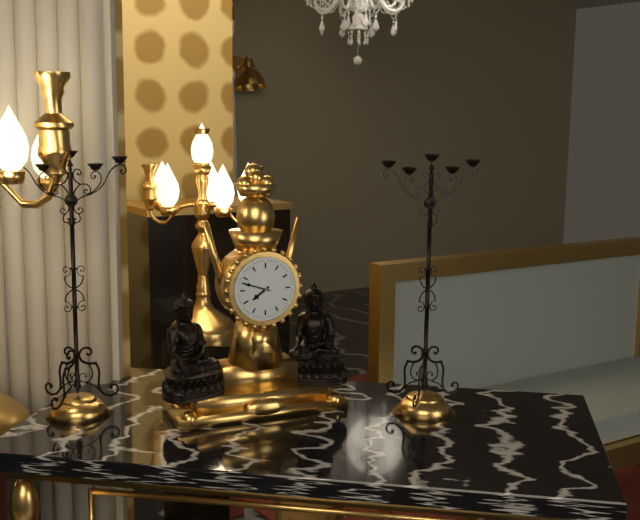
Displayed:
7:48
